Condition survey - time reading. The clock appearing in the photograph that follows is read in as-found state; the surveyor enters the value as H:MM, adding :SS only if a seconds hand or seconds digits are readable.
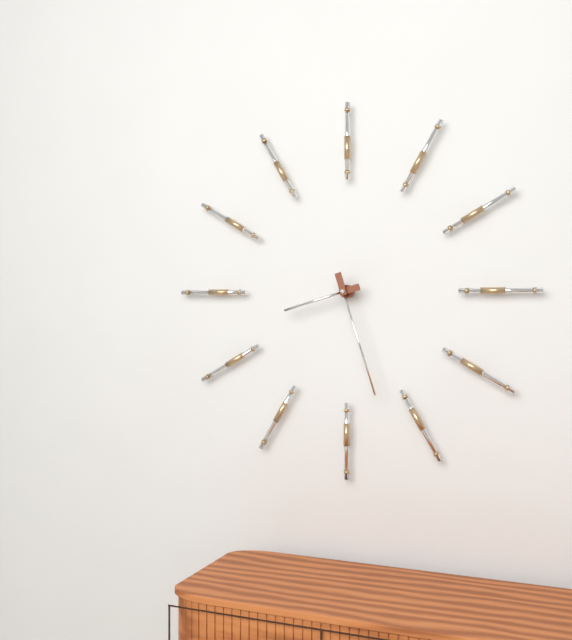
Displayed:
8:27
